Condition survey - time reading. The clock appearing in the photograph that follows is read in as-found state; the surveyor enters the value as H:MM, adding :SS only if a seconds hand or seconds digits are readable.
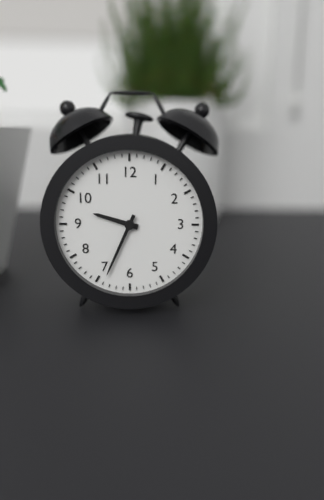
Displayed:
9:34
